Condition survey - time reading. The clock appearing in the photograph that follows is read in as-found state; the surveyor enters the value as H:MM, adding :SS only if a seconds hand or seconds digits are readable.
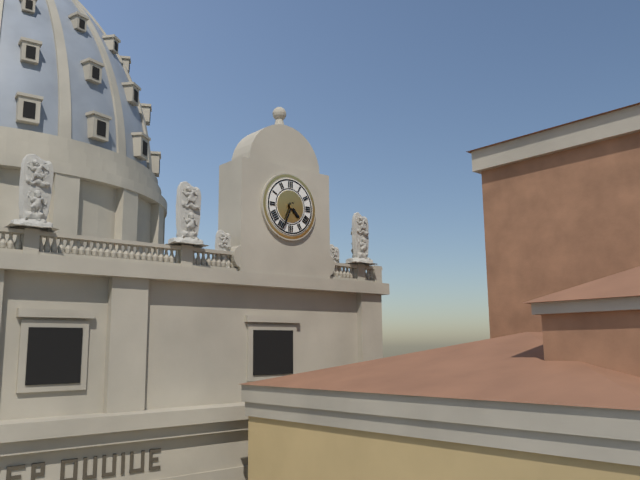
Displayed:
4:34
